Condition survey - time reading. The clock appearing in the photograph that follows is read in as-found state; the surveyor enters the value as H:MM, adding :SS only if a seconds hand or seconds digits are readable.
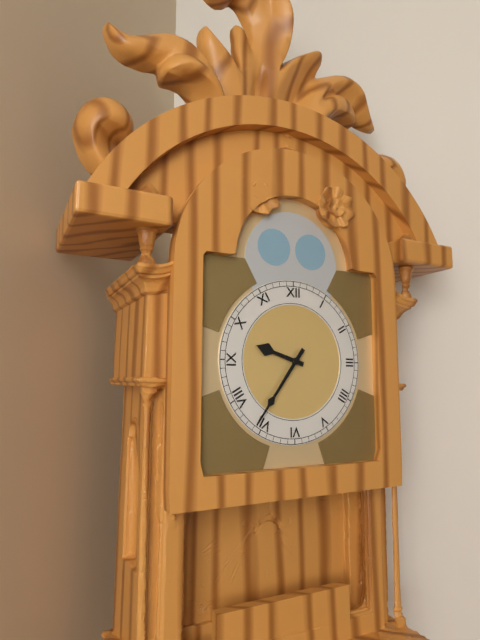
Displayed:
9:36
